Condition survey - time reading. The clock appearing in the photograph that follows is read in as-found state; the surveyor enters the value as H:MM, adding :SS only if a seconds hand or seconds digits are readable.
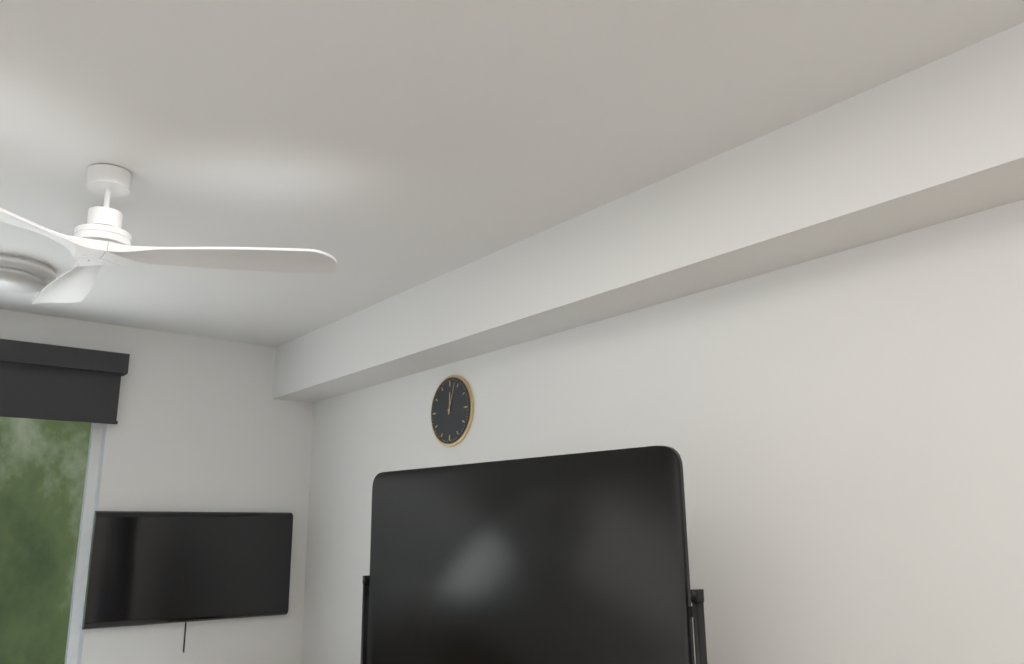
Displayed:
12:03
